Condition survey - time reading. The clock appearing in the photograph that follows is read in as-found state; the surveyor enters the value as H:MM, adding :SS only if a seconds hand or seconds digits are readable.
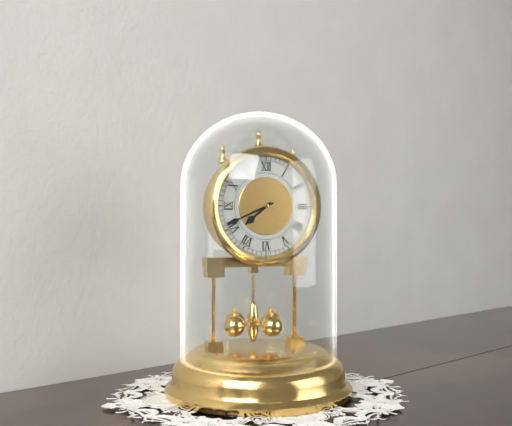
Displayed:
7:41
